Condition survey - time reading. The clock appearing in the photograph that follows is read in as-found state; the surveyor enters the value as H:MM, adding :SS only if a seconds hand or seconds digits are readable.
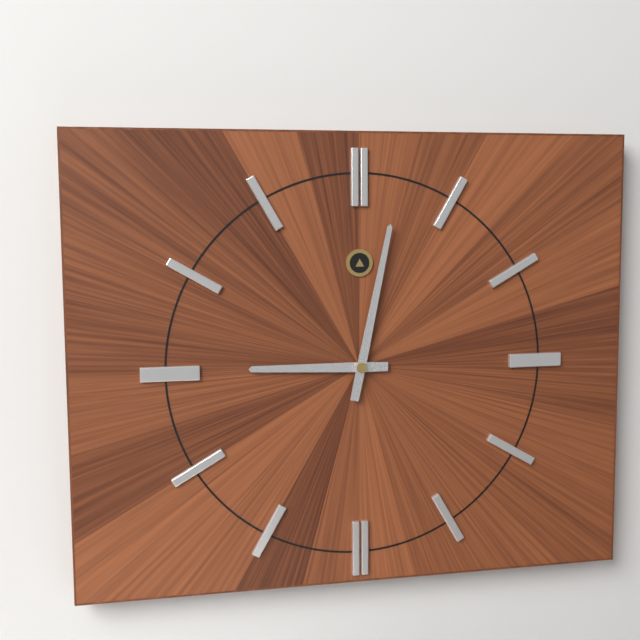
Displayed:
9:02
